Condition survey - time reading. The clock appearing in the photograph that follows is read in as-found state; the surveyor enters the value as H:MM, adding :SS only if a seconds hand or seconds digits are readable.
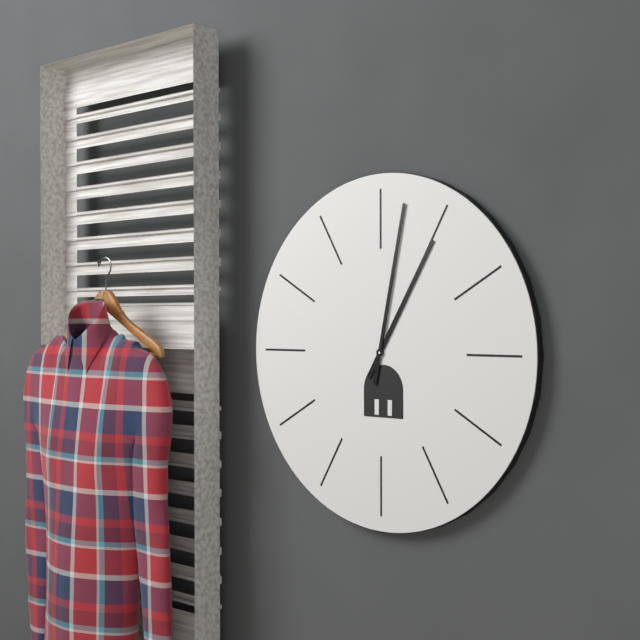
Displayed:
1:02
